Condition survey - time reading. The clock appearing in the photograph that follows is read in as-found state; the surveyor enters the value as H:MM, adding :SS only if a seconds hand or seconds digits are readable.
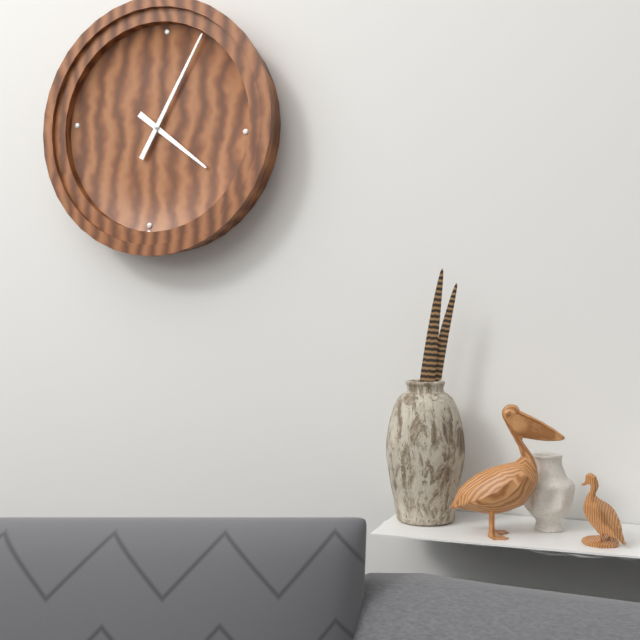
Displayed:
4:04
